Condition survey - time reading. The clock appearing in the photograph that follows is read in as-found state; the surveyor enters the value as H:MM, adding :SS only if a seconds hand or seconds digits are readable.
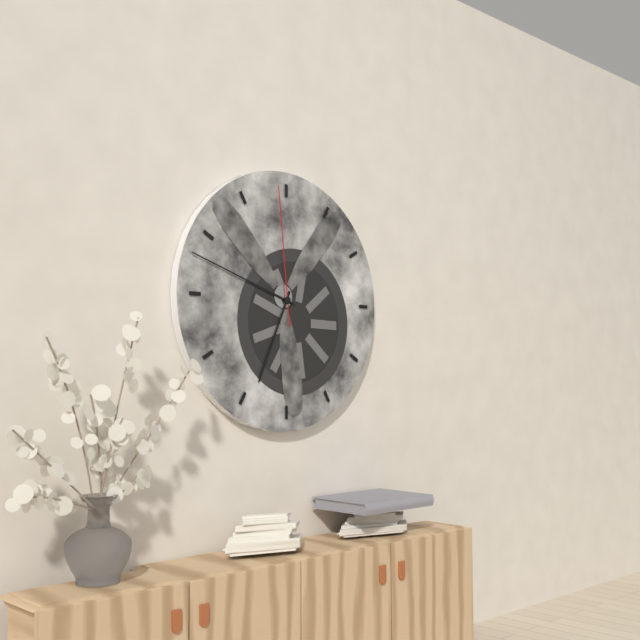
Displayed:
6:48:59
